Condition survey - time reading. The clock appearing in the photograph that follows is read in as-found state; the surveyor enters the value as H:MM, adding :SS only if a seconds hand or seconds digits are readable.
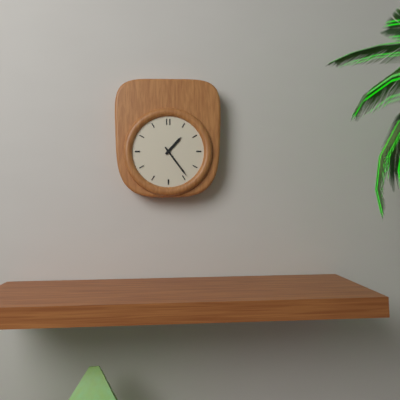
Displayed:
1:24
